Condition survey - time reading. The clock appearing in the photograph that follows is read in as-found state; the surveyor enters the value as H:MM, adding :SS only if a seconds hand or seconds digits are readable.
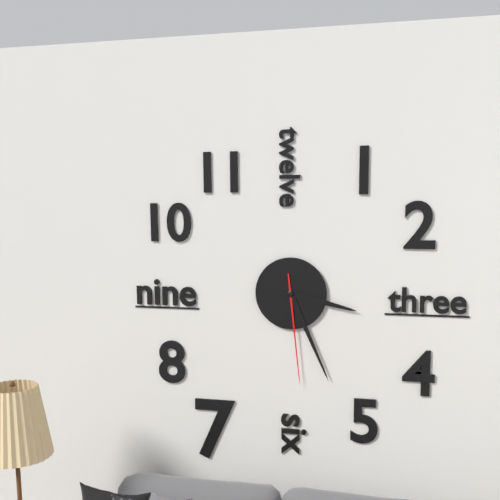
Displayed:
3:26:29
